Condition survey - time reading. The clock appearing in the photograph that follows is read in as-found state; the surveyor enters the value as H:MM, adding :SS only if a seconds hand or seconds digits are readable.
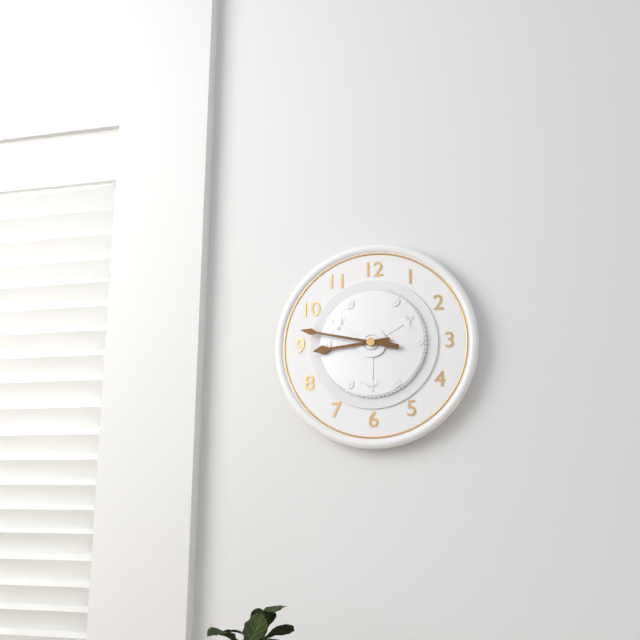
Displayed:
8:47
